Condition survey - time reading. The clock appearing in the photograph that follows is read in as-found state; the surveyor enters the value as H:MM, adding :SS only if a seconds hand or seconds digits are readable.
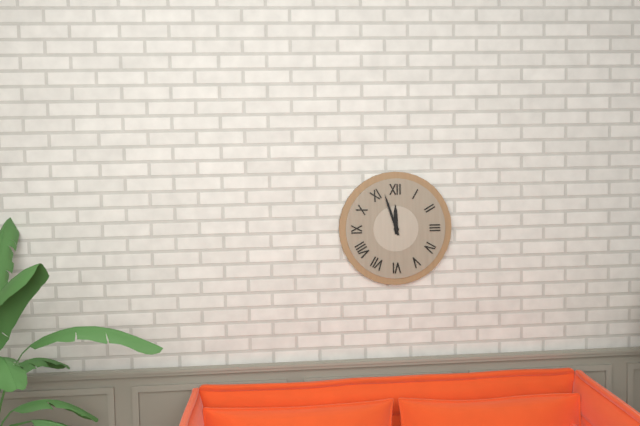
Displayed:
11:57
